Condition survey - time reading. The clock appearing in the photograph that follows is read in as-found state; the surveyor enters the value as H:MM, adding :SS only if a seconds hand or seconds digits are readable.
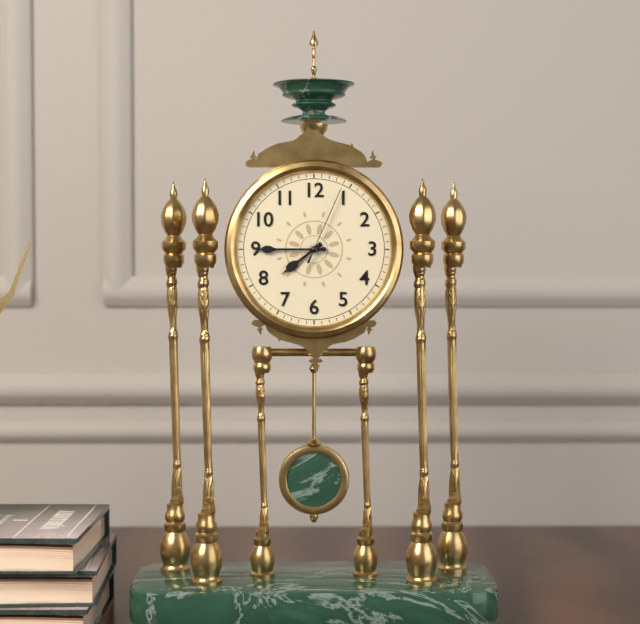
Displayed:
7:45:04
